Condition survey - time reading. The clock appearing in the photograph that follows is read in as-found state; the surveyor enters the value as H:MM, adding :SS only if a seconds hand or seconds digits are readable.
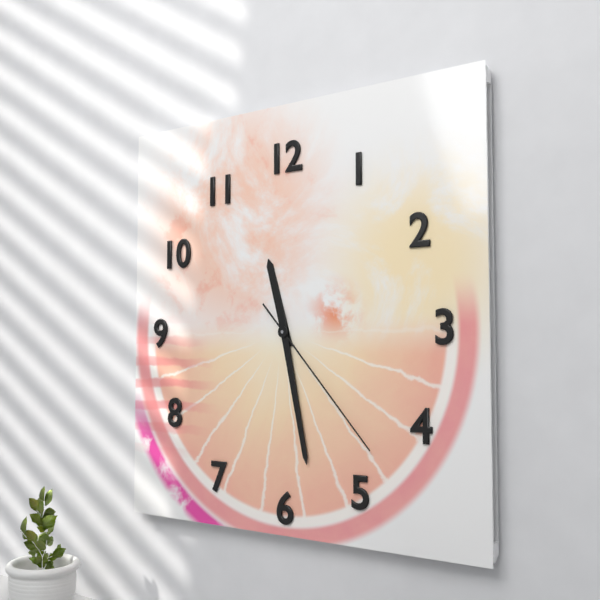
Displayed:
11:28:23
